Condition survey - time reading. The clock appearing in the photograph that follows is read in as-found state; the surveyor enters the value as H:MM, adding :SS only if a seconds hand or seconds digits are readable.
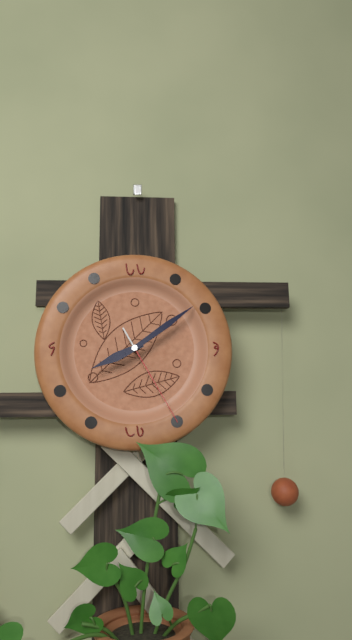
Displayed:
8:09:25
